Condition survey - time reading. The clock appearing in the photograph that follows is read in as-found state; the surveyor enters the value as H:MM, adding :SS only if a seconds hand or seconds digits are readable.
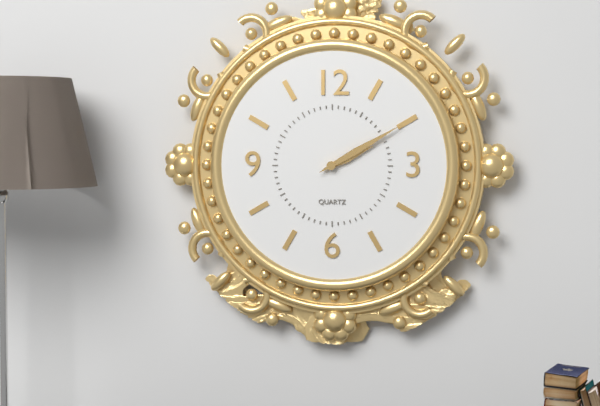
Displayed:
2:10
